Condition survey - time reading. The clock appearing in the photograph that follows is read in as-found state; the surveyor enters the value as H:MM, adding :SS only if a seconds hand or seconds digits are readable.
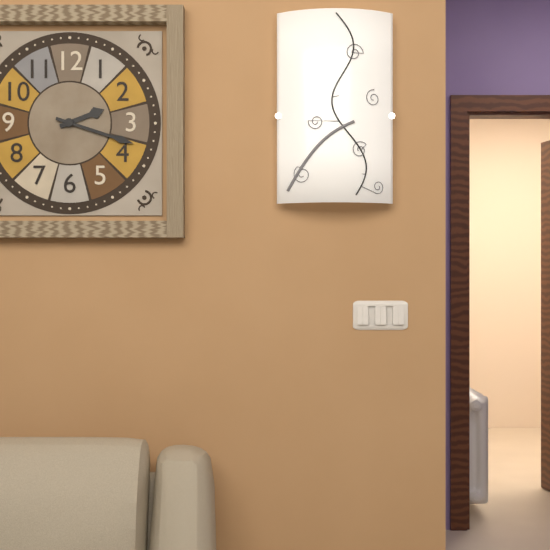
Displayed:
2:18
